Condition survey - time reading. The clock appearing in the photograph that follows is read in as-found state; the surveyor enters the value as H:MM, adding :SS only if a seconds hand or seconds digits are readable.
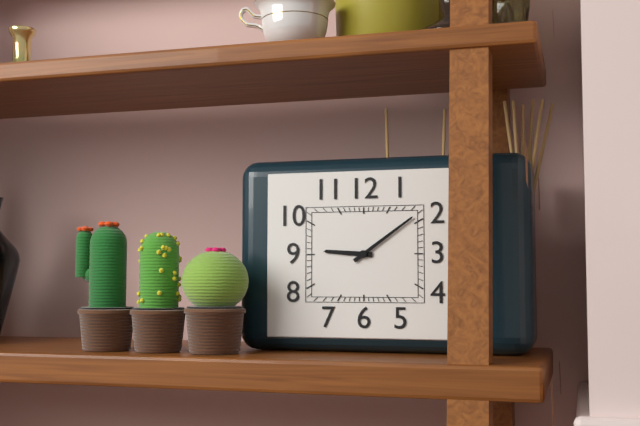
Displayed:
9:09
